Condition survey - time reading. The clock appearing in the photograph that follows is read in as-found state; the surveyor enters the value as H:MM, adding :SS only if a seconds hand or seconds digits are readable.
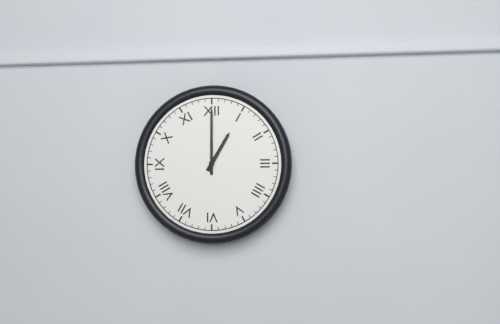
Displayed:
1:00
